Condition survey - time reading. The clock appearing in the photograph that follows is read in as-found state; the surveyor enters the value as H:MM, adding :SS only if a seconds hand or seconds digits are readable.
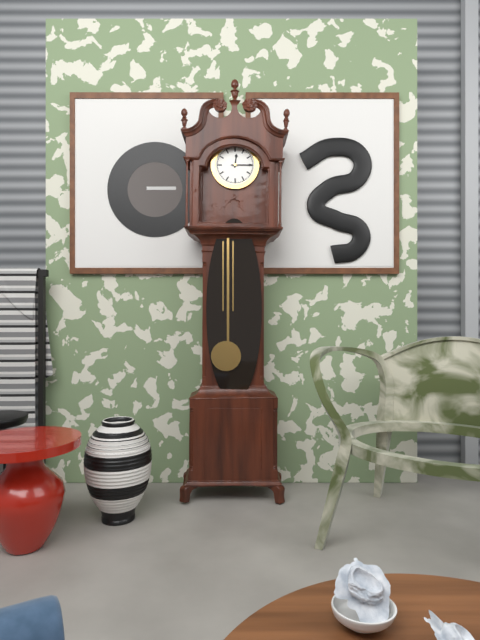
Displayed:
12:15
